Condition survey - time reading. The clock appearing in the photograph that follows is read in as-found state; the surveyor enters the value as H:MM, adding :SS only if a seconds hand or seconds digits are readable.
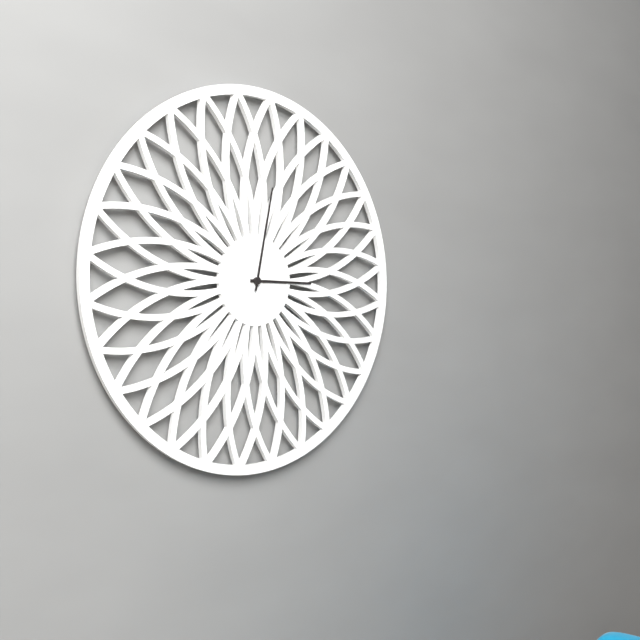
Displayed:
3:02
